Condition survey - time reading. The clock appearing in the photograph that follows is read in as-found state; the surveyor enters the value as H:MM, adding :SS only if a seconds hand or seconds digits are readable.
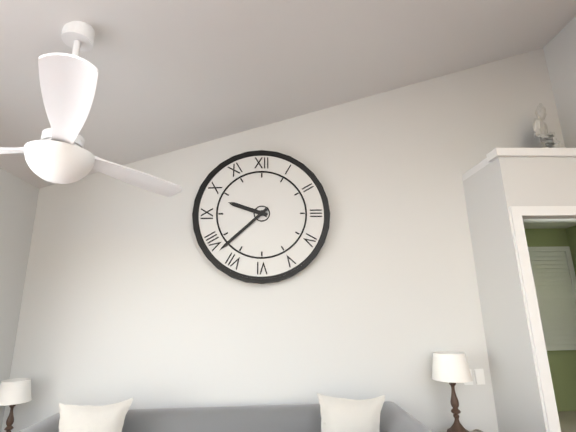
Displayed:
9:38
